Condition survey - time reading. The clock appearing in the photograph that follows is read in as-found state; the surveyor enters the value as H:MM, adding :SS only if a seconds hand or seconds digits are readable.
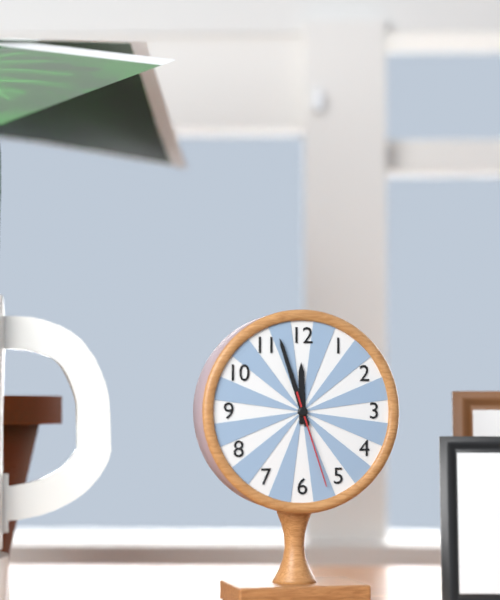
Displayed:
11:57:27
